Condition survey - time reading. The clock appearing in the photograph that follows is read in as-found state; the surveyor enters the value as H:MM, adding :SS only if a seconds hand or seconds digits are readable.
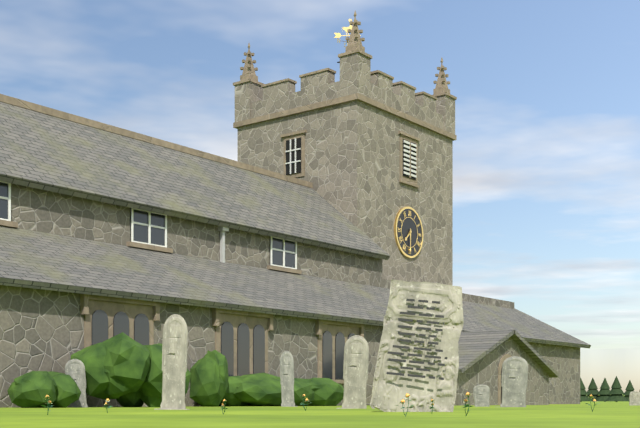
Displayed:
7:30
